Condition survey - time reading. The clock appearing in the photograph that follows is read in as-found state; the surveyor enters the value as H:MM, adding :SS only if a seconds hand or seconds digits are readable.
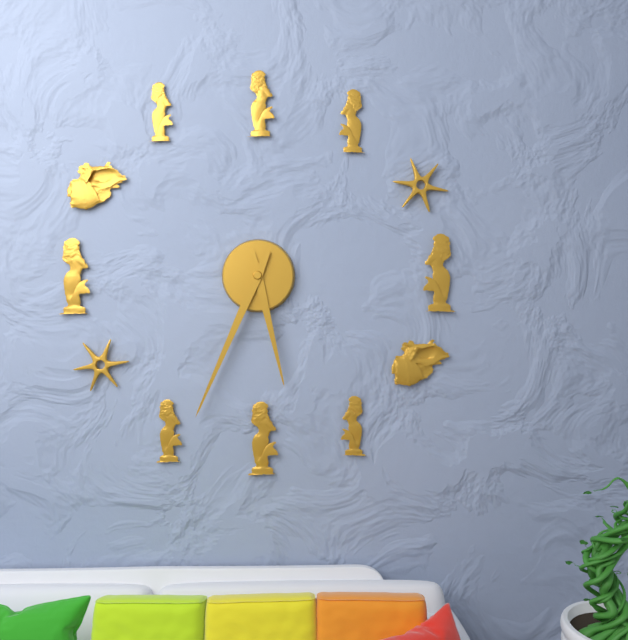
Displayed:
5:34
